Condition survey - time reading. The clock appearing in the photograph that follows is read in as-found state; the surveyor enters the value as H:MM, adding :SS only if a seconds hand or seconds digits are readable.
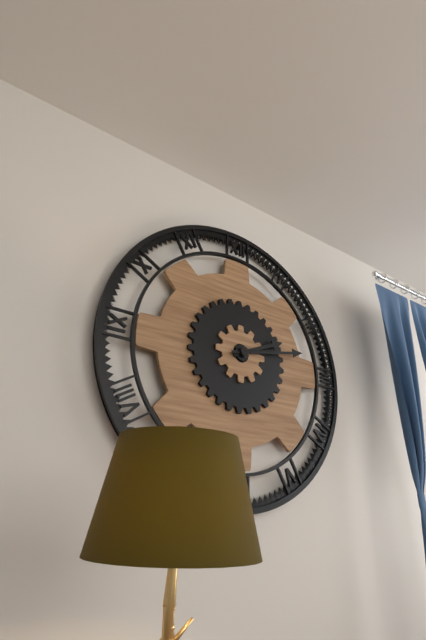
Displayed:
2:13
